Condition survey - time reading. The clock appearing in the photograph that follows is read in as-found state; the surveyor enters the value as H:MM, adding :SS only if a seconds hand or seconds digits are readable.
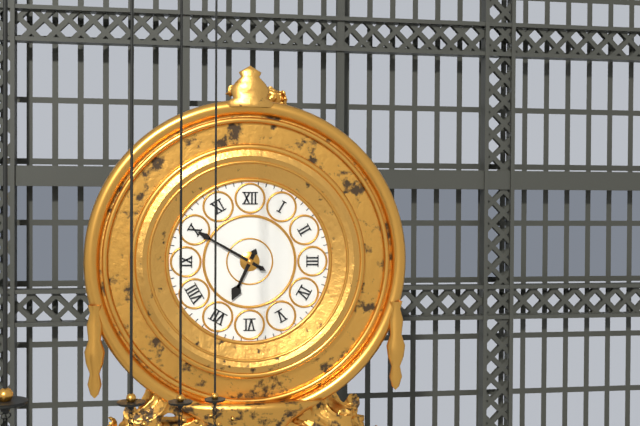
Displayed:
6:50
